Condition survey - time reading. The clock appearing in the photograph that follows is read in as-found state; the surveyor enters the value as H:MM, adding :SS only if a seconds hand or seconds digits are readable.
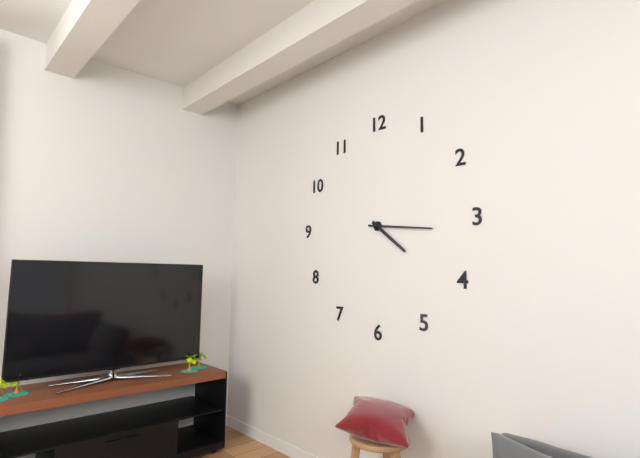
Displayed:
4:16
